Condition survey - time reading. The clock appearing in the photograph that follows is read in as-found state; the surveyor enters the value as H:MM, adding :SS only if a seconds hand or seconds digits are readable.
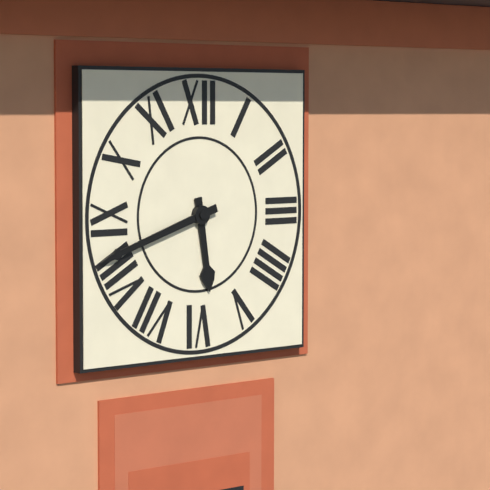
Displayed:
5:42
